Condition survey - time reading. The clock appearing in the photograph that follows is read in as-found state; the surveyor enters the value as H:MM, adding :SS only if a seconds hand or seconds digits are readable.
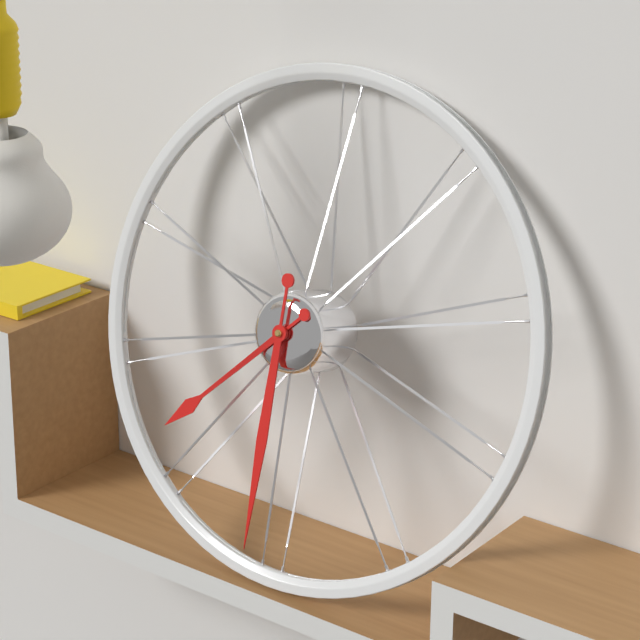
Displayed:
7:30
